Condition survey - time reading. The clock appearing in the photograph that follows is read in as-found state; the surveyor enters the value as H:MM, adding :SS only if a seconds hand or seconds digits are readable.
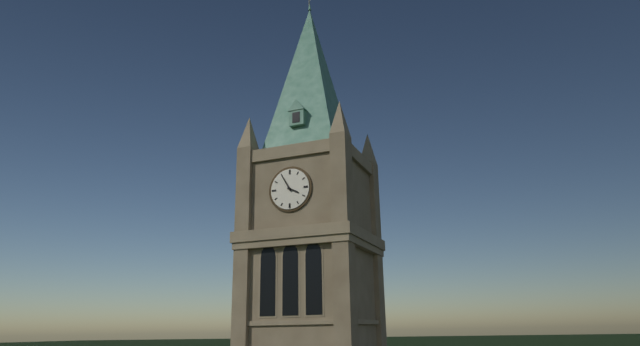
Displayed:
3:55
